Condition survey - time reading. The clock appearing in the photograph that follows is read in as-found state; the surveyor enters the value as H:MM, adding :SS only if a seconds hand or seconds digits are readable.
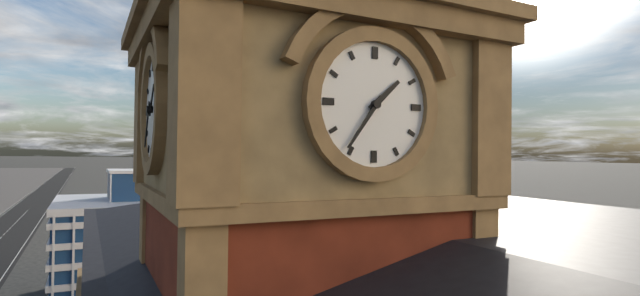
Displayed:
1:36
